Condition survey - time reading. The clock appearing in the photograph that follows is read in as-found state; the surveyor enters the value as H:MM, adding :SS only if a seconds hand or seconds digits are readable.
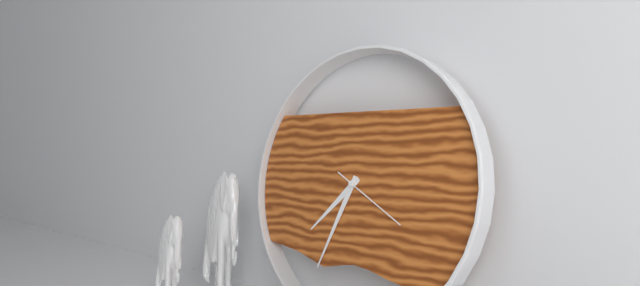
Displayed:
7:34:20
